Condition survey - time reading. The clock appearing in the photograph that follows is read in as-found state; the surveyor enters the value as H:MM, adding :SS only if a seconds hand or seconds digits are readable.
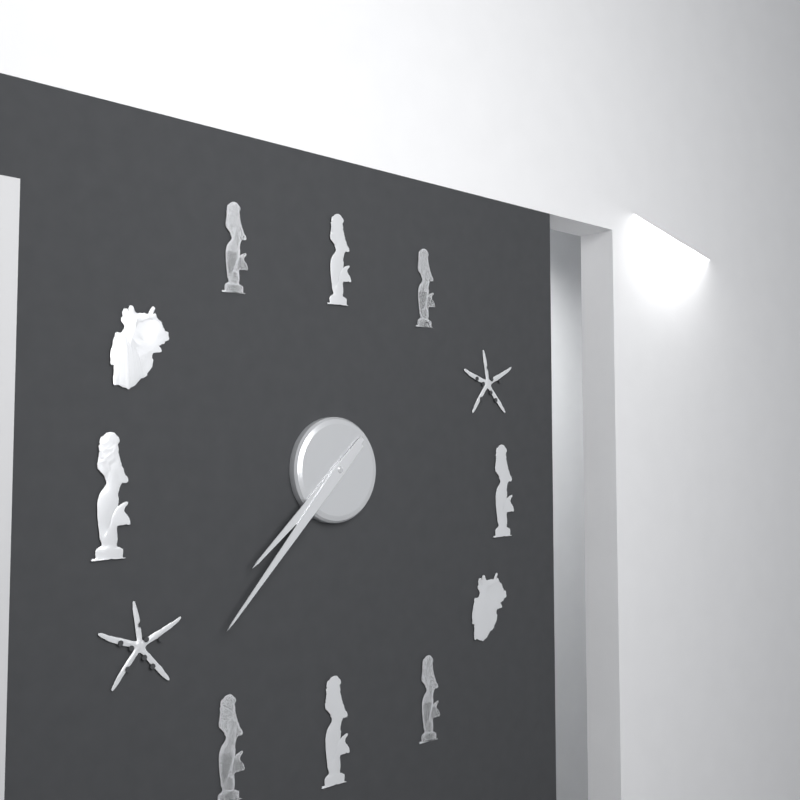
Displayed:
7:37
